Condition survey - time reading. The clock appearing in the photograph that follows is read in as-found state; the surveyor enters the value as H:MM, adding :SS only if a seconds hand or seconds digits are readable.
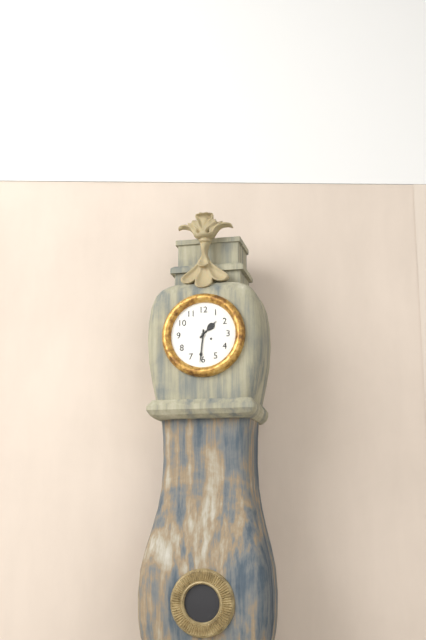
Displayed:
1:31
